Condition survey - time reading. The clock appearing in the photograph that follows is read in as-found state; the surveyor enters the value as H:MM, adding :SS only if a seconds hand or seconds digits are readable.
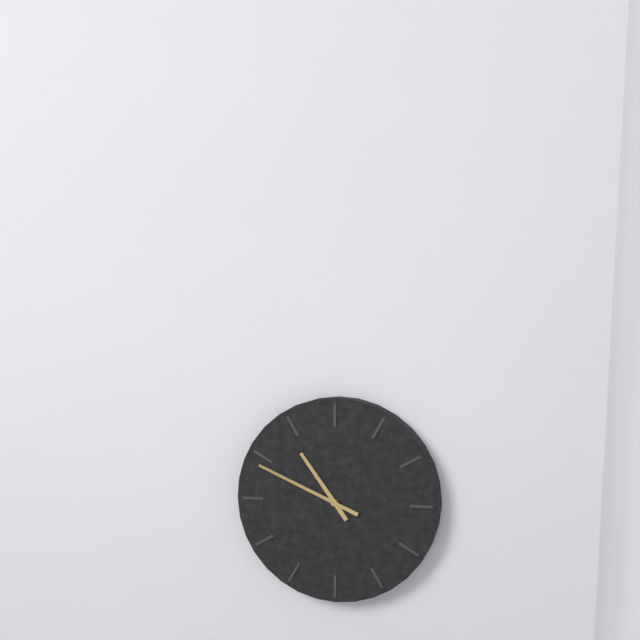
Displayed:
10:49
